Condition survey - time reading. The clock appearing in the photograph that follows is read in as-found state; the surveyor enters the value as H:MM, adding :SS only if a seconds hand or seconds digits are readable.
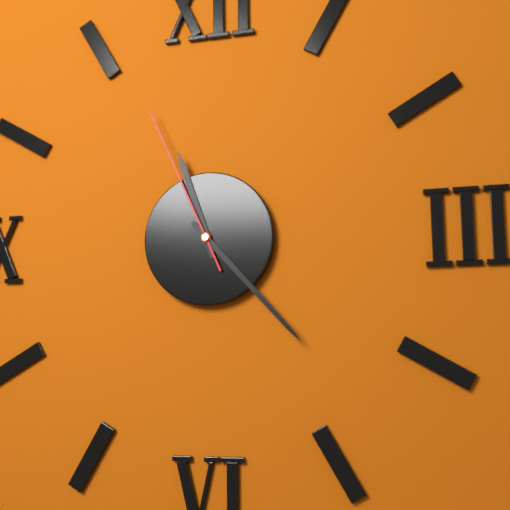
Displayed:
11:23:56
